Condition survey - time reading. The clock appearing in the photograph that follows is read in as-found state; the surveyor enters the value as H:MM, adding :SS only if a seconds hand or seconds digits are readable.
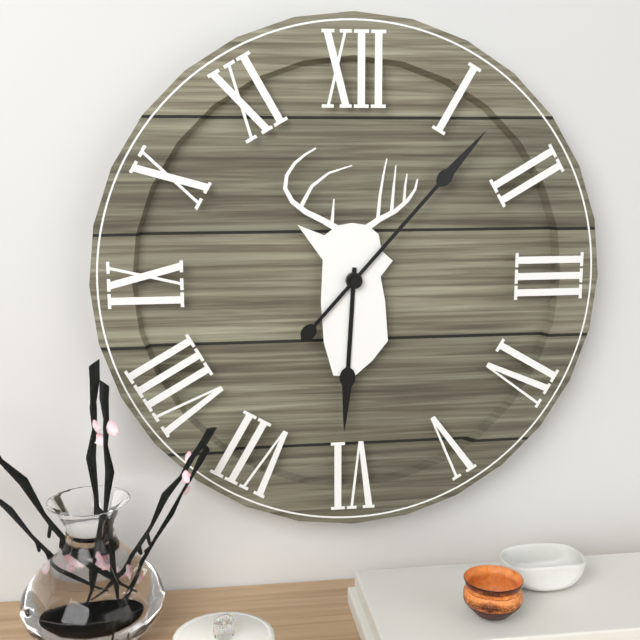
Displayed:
6:07
